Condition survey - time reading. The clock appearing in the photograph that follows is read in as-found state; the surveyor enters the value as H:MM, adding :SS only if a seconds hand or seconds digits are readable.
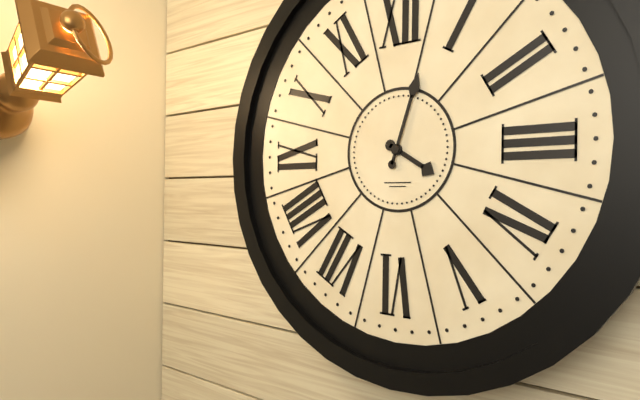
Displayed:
4:03
